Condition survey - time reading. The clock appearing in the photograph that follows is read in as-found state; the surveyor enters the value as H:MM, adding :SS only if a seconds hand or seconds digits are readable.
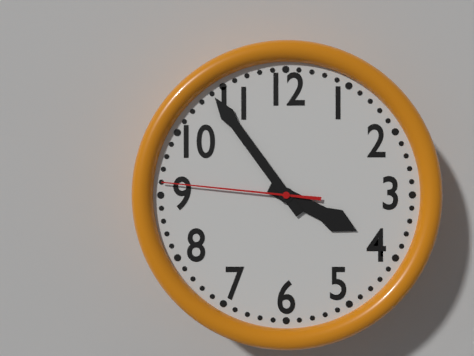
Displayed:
3:54:46
